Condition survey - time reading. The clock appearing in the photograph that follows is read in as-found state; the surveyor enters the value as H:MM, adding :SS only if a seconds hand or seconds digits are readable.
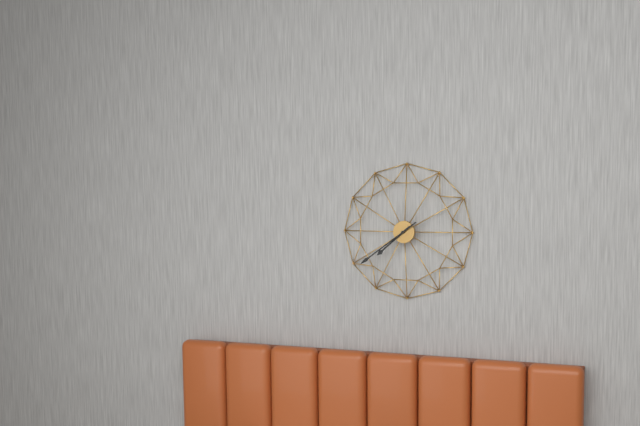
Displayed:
7:39
